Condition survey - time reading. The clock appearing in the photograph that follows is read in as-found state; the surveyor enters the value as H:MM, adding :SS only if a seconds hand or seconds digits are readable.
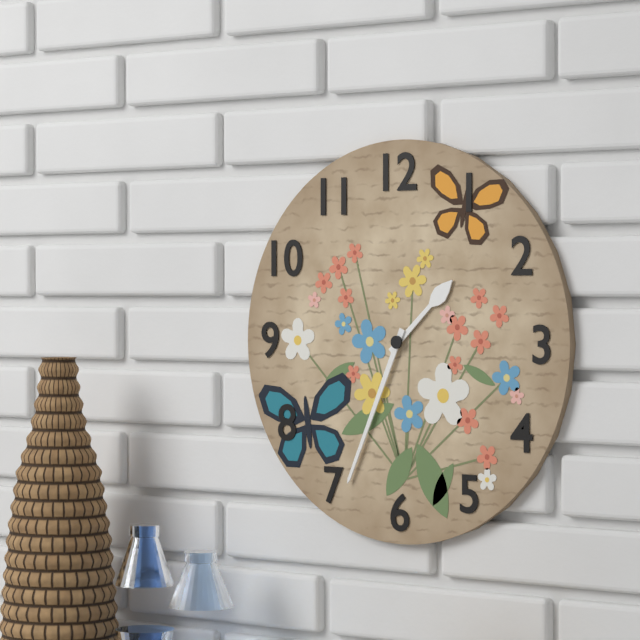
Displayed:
1:34
